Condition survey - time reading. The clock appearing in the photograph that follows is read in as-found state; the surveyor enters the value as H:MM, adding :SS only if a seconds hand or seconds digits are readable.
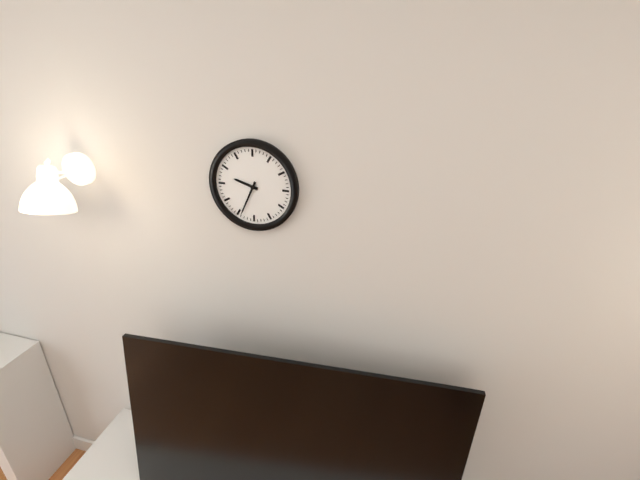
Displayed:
9:34
